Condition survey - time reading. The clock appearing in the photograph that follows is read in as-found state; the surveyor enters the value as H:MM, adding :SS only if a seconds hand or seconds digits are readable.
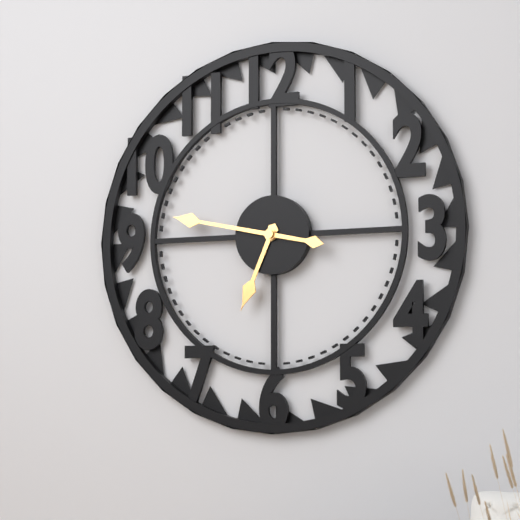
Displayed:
6:47
